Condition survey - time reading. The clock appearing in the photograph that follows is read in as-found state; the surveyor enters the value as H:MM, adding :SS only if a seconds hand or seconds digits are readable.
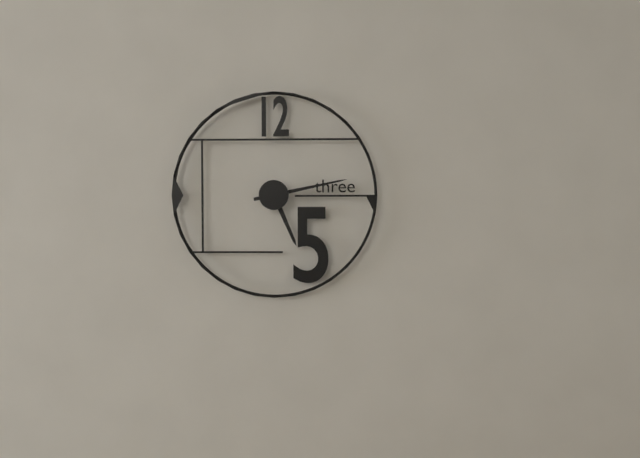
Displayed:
5:13
